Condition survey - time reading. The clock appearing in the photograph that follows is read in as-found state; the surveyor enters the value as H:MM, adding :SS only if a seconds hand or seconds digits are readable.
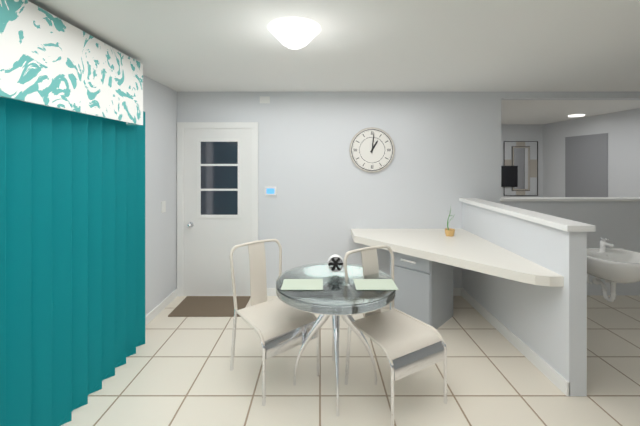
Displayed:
1:01
